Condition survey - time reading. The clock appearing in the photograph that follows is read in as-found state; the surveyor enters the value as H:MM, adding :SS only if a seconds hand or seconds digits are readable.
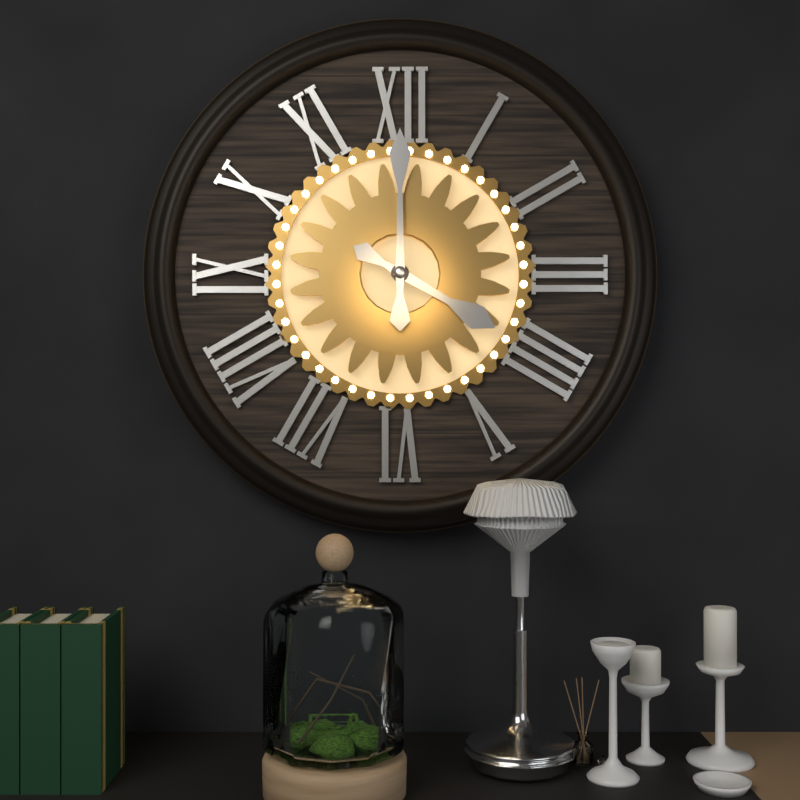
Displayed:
4:00
